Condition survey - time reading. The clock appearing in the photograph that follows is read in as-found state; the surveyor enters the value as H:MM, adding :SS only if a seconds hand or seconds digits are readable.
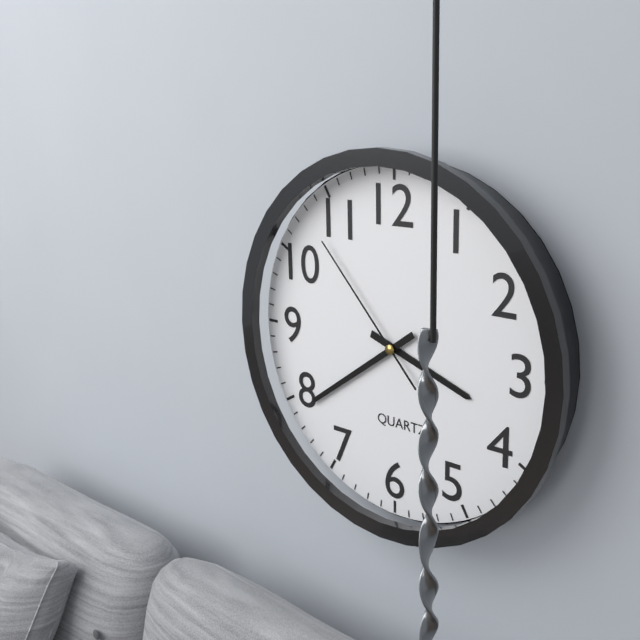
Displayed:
3:39:53
